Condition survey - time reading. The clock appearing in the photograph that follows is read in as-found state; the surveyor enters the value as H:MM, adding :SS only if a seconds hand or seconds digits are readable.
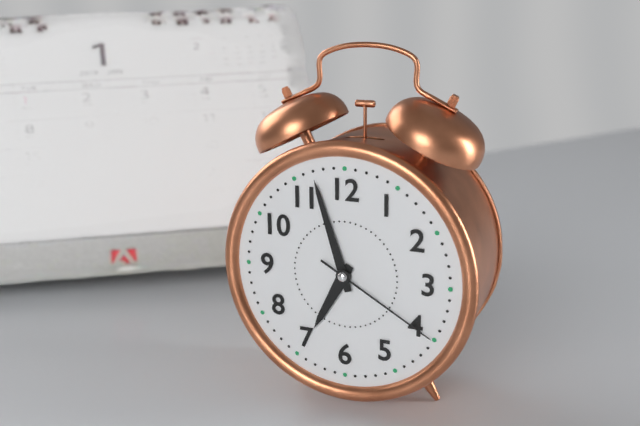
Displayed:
6:57:20
